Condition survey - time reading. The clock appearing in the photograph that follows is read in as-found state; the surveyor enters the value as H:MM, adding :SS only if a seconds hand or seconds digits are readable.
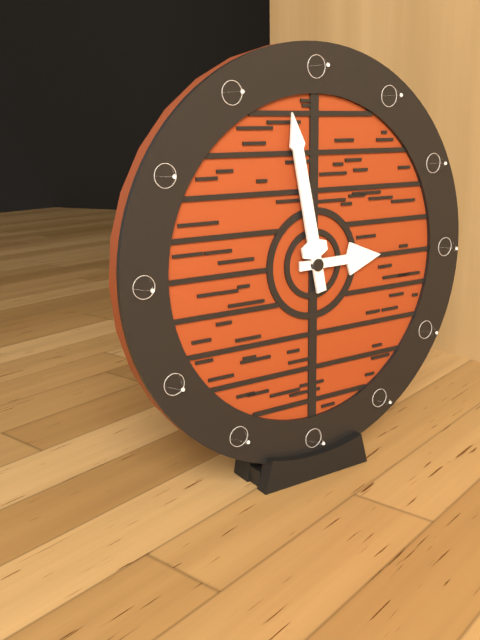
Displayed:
2:58
